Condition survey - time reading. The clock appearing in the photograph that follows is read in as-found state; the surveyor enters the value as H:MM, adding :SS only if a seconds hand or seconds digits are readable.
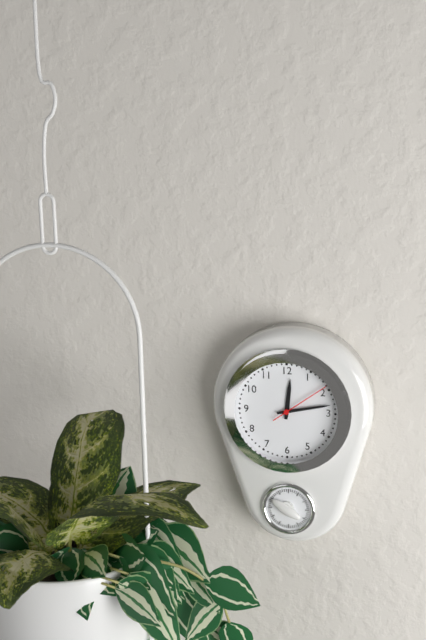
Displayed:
12:13:09
